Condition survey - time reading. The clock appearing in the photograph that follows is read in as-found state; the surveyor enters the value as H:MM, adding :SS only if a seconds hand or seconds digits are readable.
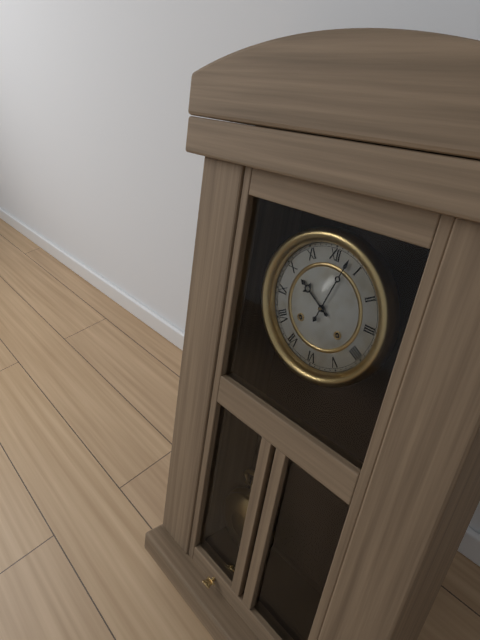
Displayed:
10:03
